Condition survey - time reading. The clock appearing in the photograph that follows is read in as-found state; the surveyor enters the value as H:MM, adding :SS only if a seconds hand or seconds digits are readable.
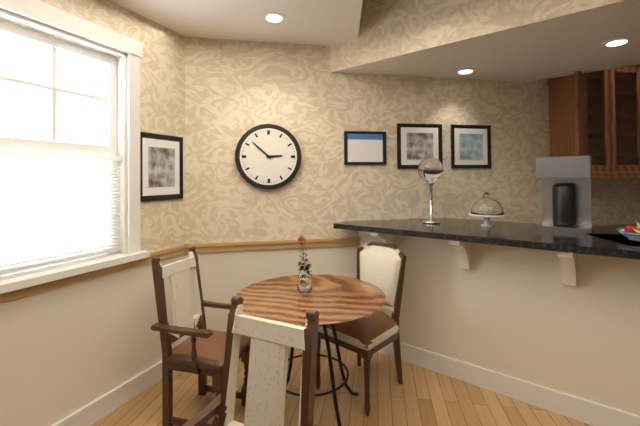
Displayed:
2:52
